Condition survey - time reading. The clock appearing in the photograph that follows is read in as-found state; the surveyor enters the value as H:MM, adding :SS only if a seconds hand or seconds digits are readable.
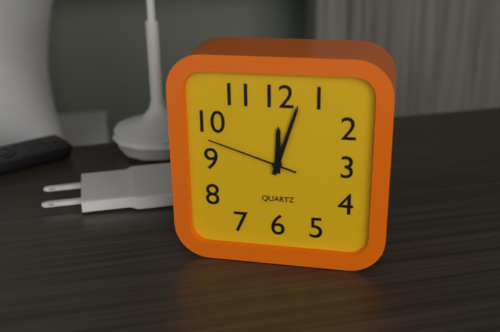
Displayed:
12:03:48
